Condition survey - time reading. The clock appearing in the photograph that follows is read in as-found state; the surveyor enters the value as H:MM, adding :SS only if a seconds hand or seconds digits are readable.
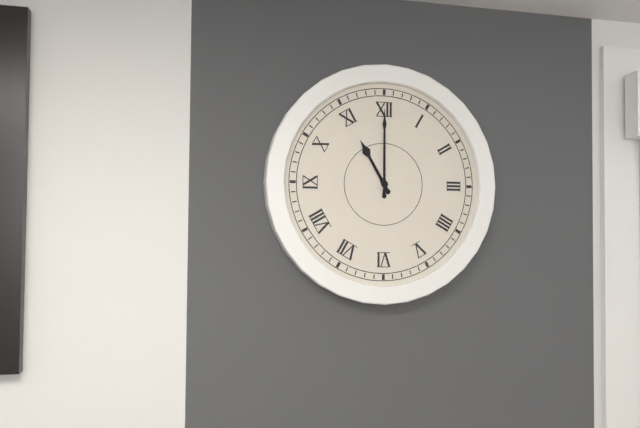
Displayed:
11:00
